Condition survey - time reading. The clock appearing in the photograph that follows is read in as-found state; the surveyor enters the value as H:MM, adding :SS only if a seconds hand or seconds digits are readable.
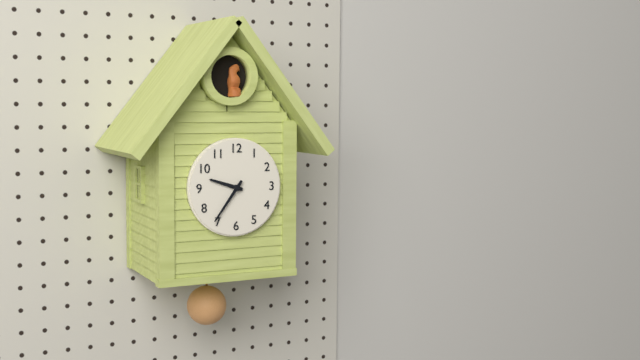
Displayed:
9:36
